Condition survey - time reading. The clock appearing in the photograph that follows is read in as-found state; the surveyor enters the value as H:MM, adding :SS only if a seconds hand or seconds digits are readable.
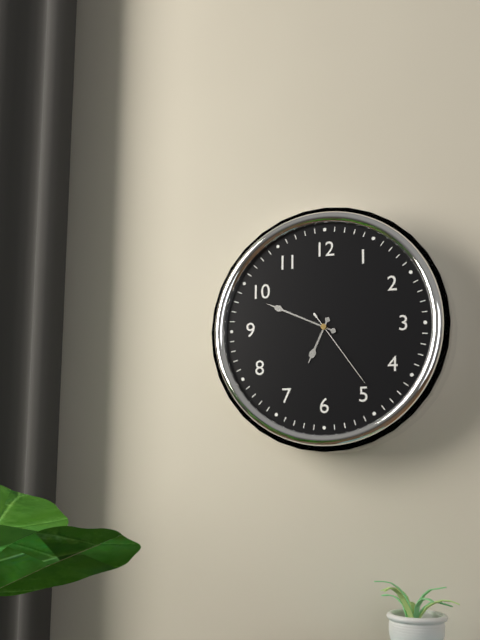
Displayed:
6:49:24
